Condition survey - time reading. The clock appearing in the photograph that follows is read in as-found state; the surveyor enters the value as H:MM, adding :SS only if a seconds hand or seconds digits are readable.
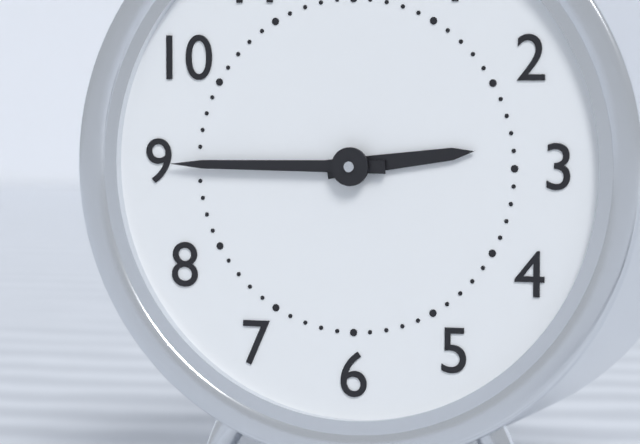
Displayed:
2:45
